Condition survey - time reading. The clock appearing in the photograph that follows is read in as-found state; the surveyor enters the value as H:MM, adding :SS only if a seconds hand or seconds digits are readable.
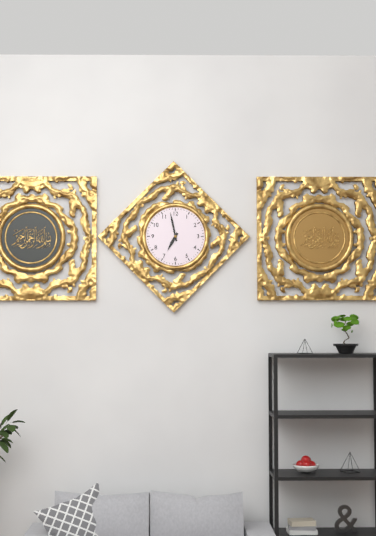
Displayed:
6:58
